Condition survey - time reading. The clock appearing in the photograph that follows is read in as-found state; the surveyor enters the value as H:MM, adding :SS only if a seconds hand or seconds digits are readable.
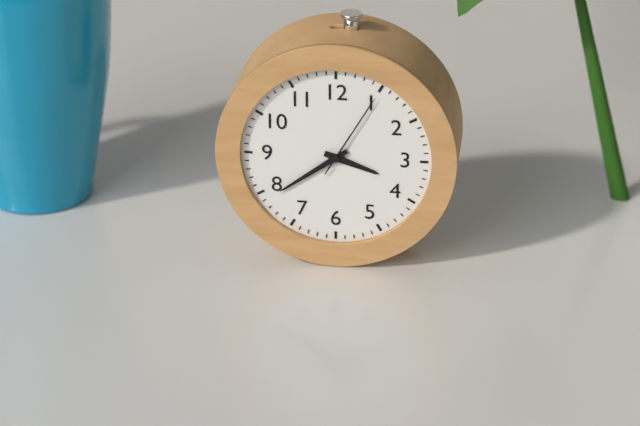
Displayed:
3:39:05
